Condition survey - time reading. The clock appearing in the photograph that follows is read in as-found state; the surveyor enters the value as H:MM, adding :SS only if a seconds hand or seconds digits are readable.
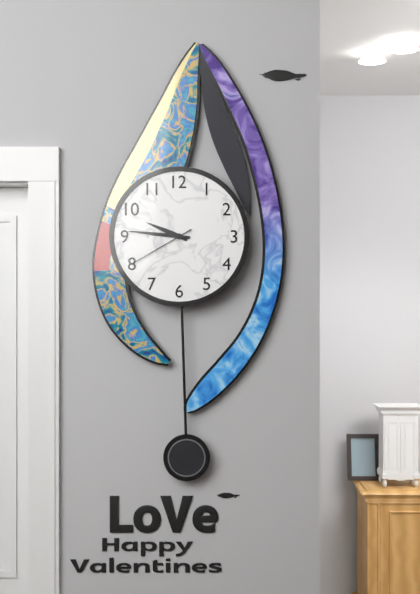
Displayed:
9:46:40
